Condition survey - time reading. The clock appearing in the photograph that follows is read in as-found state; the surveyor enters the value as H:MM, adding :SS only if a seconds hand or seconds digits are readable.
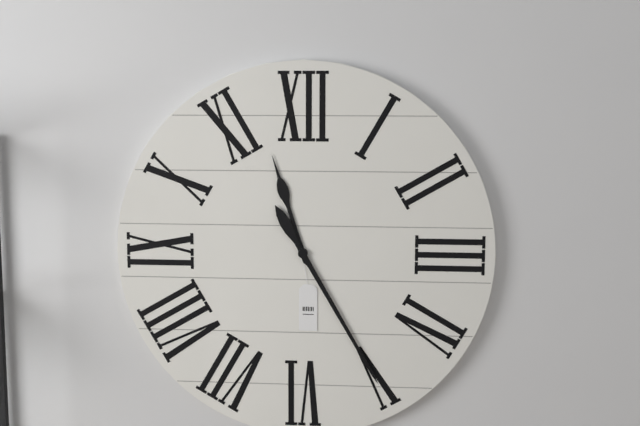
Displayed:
11:25
